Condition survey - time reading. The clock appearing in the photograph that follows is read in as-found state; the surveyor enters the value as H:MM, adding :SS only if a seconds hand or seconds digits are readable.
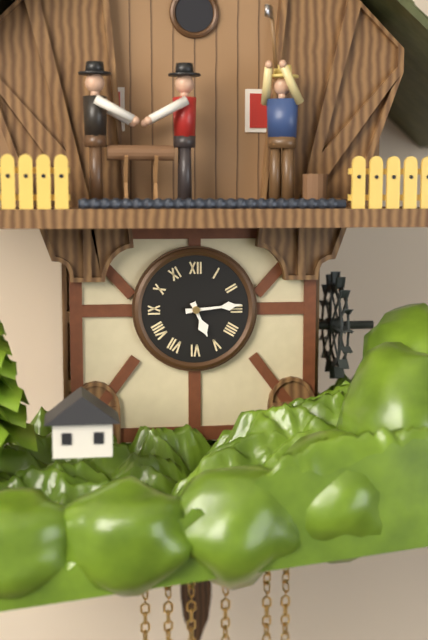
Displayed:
5:14
